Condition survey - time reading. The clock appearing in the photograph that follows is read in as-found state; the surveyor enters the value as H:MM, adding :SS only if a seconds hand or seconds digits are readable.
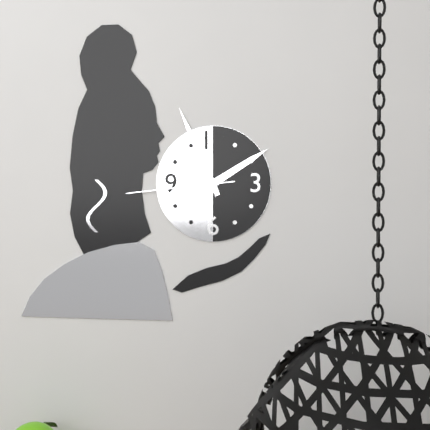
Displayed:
1:56:44
